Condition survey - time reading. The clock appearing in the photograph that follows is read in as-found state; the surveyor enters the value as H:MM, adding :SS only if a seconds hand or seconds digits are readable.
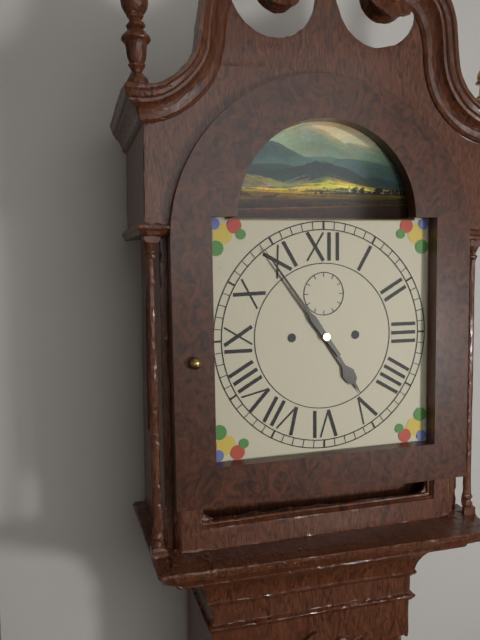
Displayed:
4:54
